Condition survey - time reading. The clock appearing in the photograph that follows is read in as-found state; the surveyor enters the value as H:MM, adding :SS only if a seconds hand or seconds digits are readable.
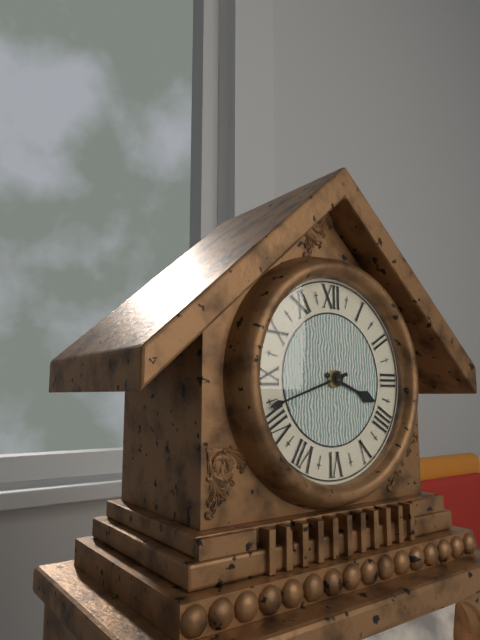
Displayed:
3:42
